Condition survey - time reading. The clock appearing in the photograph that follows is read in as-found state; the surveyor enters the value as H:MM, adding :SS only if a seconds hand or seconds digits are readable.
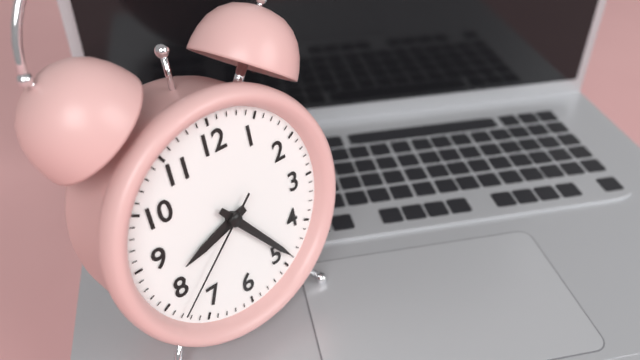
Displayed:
8:24:38
